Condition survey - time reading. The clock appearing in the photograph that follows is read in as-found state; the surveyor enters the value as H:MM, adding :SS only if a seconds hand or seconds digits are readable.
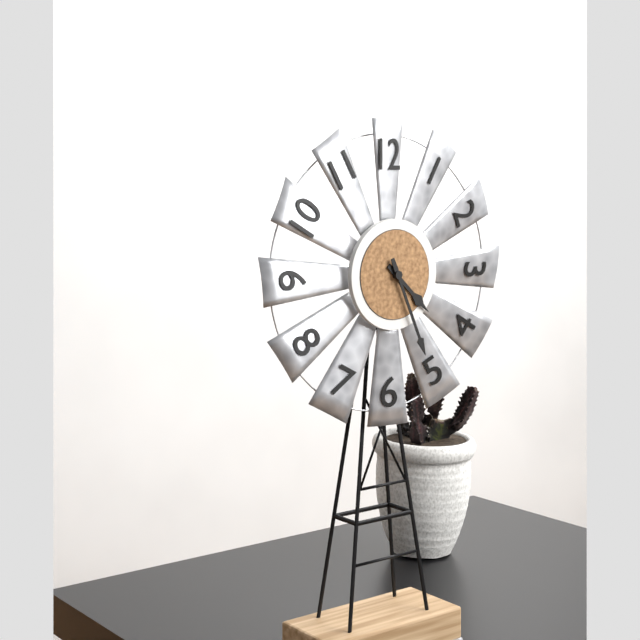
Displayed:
4:26
